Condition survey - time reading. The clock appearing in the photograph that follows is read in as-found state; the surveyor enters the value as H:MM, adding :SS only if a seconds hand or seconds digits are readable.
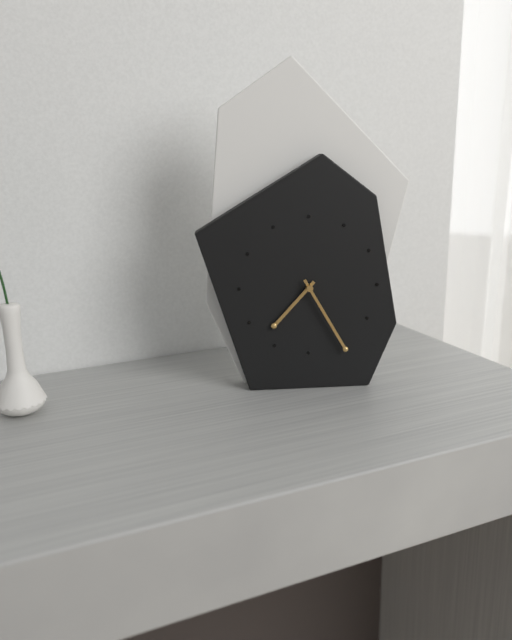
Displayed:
7:25
